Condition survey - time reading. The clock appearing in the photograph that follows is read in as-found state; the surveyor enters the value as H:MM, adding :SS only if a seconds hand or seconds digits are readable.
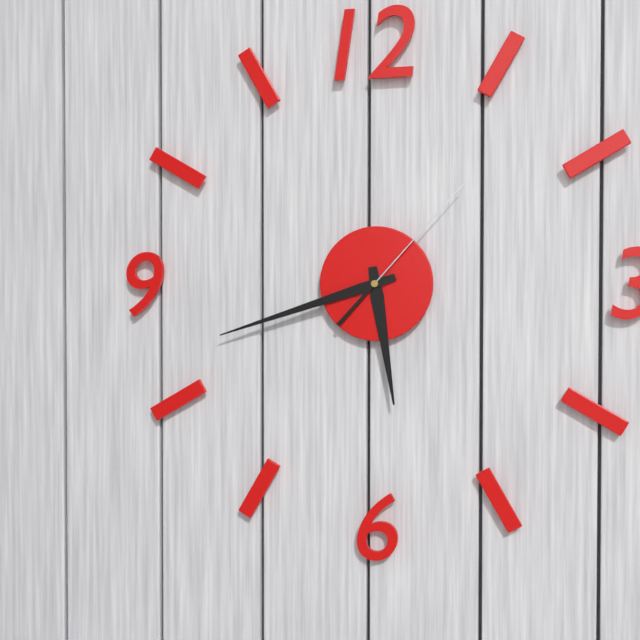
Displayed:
5:42:07
